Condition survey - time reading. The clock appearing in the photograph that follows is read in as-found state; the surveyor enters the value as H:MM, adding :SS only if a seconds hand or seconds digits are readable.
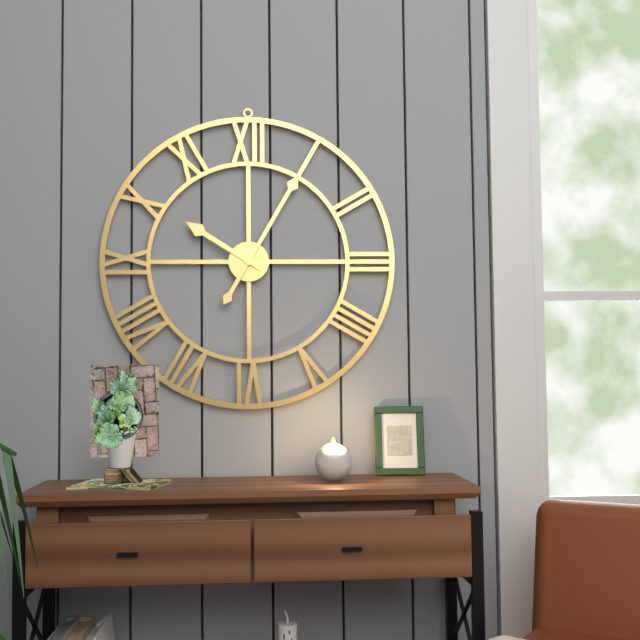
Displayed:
10:05
